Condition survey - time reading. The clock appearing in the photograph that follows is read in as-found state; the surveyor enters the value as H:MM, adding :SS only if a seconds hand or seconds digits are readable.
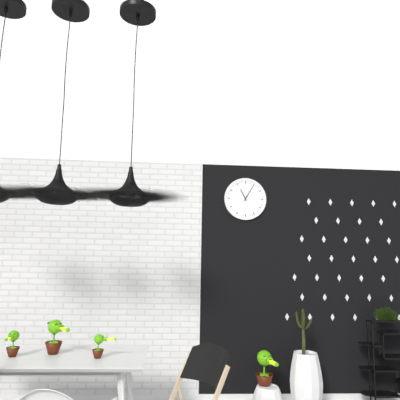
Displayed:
11:05
